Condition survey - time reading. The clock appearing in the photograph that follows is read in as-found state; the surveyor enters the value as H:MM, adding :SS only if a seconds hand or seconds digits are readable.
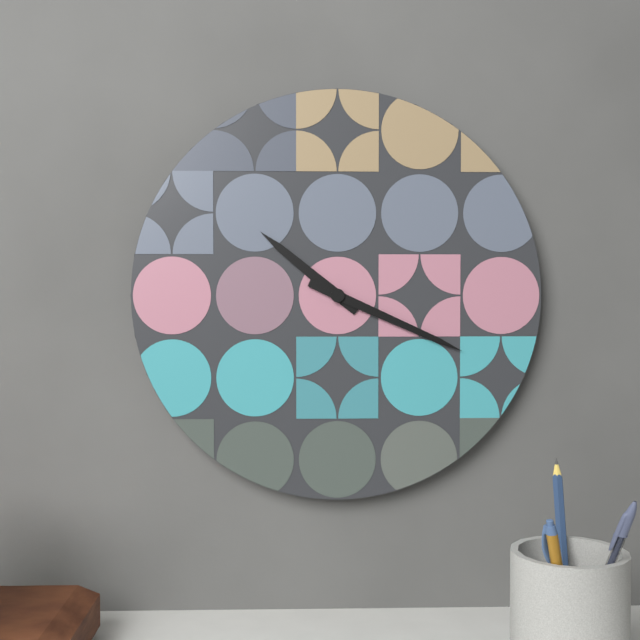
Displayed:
10:19
